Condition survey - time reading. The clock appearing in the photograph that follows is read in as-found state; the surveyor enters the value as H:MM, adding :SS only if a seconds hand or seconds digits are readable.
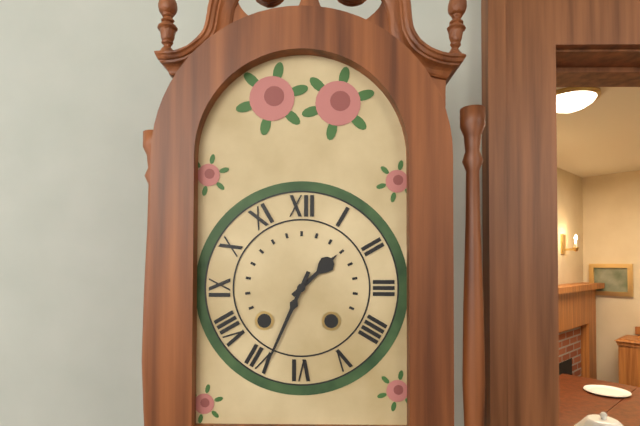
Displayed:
1:34
